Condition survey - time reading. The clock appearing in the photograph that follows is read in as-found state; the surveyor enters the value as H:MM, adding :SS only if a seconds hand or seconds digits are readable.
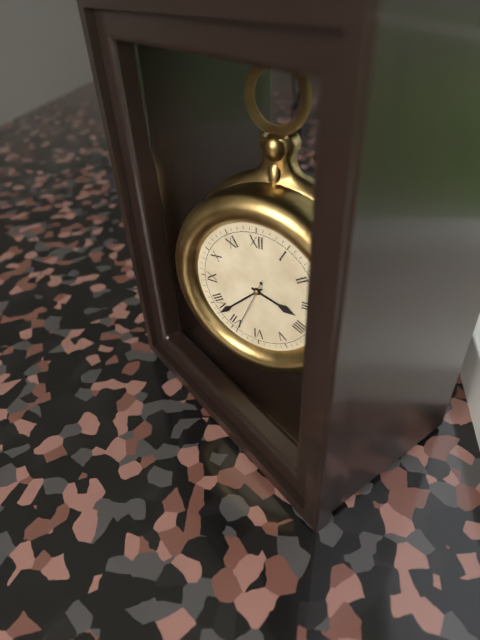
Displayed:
3:38:34
